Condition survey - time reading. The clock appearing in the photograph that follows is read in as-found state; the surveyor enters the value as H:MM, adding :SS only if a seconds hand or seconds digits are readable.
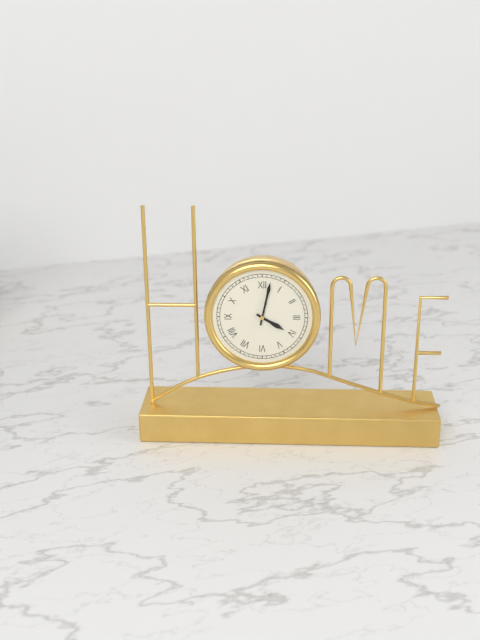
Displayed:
4:02
